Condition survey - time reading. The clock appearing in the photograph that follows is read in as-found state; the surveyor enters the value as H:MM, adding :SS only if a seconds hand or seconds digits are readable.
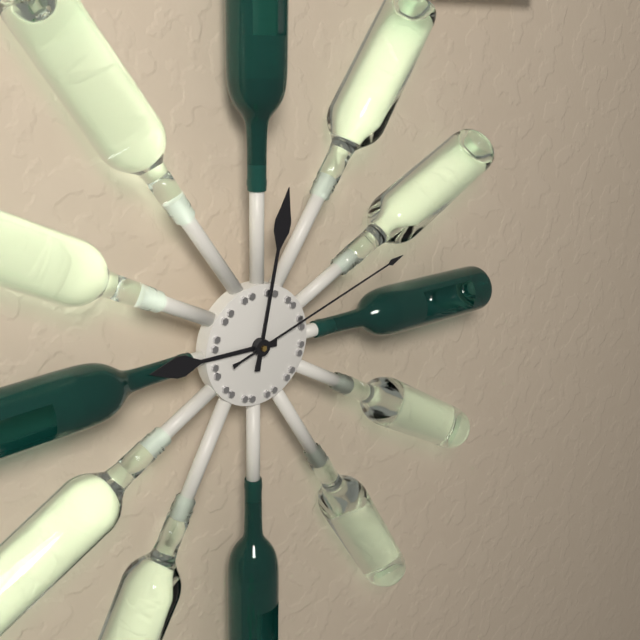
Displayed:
9:02:12
